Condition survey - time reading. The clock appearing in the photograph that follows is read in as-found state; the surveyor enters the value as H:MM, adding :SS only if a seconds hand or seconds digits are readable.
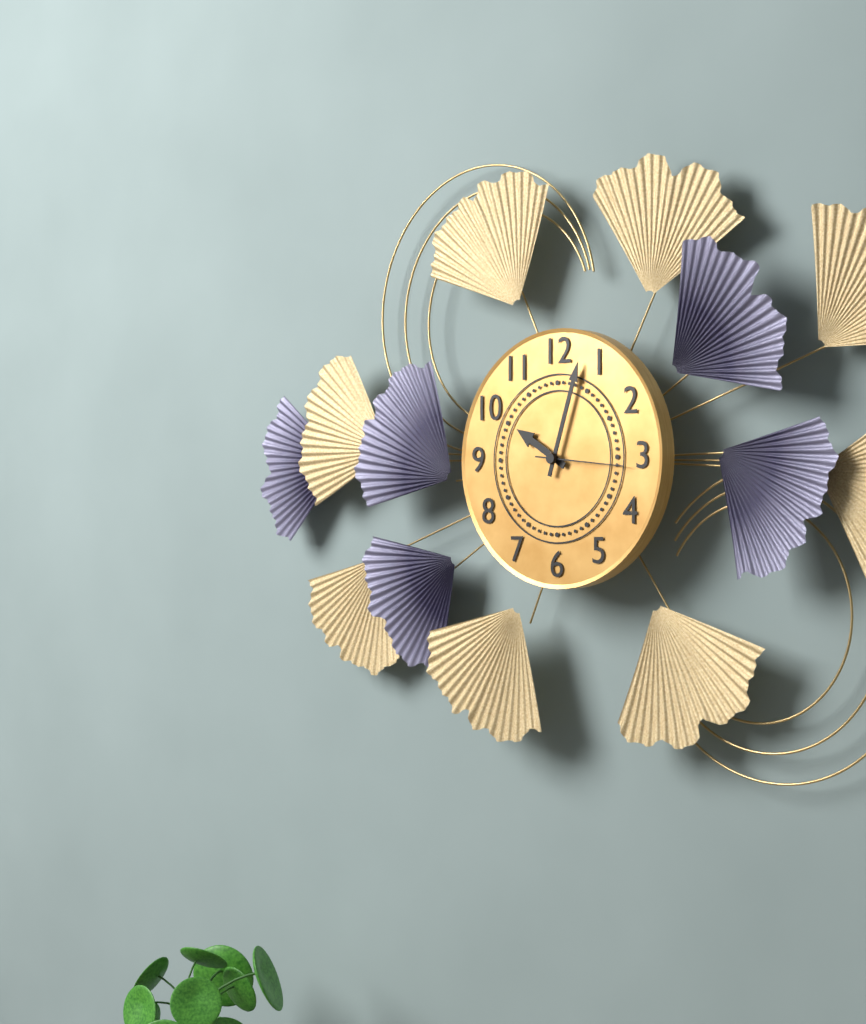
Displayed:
10:03:16
